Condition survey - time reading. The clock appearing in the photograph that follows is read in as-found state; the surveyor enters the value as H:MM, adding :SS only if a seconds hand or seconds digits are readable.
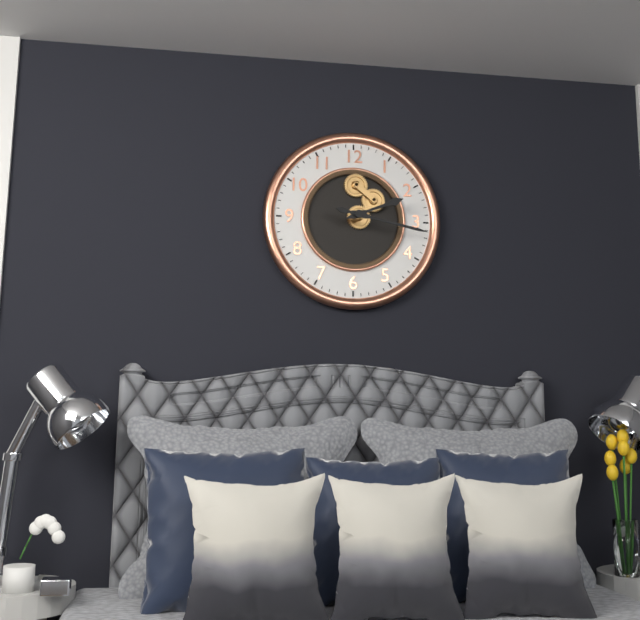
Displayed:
2:17
